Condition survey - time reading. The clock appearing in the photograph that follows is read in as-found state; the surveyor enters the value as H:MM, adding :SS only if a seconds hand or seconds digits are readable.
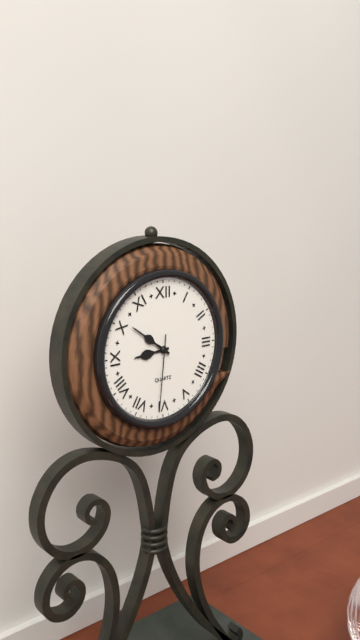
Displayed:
8:51:31
